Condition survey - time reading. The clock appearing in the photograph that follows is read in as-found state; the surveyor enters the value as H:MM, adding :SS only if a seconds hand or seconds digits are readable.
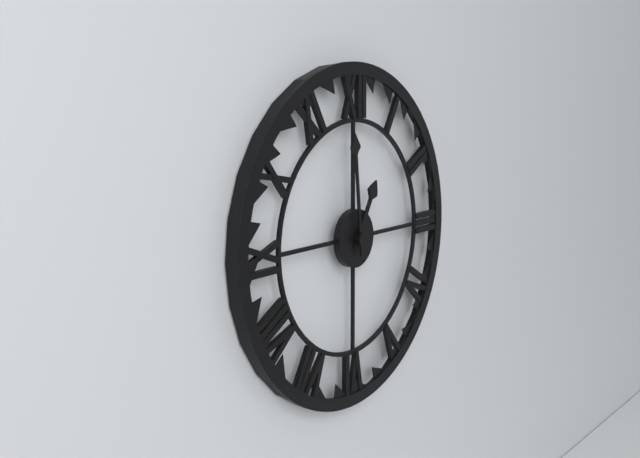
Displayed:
12:59
